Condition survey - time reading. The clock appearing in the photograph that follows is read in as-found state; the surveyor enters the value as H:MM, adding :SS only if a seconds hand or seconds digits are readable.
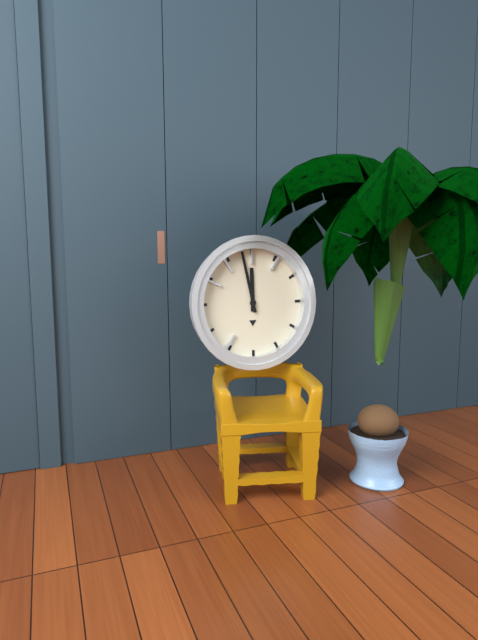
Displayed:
11:58
